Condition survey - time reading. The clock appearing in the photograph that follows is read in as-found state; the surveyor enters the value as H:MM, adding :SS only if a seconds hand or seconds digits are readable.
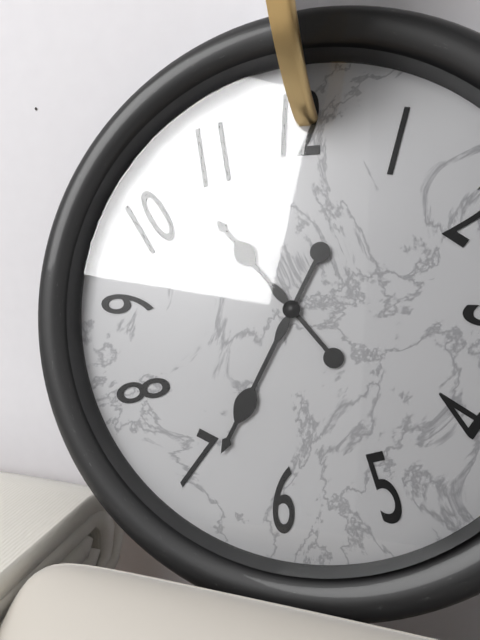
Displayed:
10:34
